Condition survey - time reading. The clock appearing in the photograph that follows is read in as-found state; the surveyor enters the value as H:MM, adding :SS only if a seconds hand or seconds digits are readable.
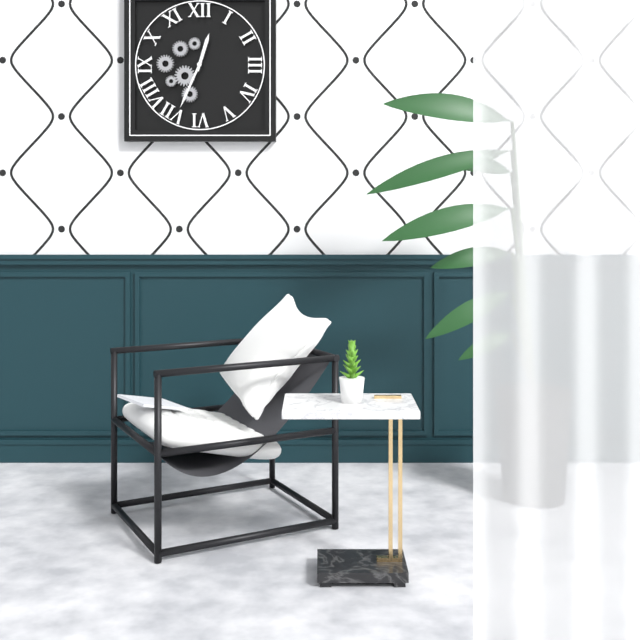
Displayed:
12:34
